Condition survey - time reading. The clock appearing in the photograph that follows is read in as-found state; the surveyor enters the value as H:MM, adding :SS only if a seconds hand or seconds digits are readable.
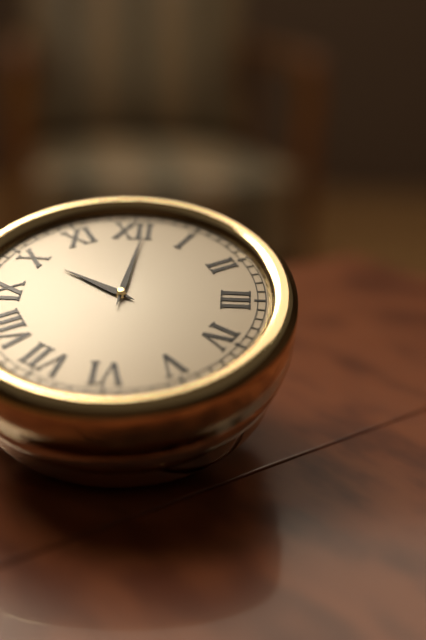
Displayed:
10:01
